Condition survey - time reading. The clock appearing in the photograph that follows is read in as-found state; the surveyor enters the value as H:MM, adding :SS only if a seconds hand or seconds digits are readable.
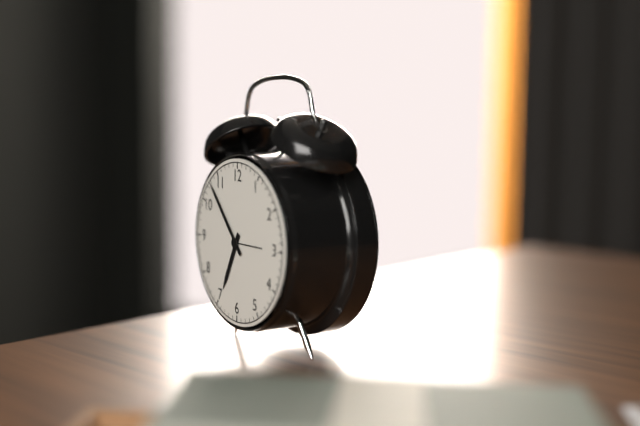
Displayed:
6:53
